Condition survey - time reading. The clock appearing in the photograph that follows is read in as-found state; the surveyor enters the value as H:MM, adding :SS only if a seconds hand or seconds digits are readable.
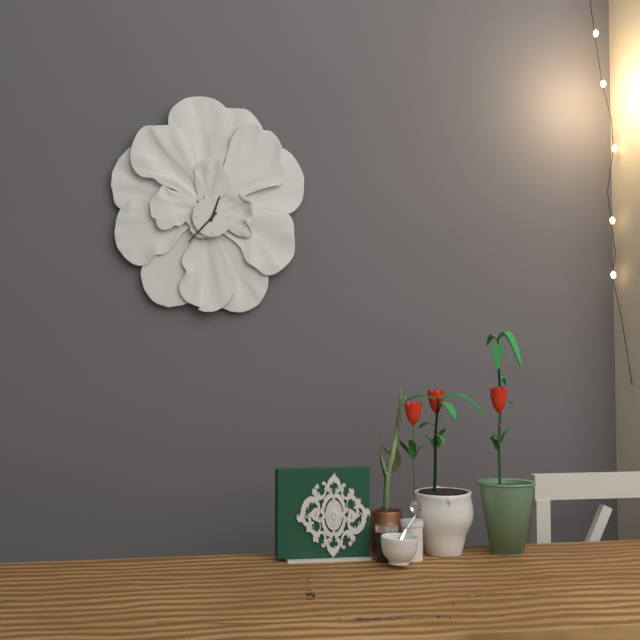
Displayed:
12:37
